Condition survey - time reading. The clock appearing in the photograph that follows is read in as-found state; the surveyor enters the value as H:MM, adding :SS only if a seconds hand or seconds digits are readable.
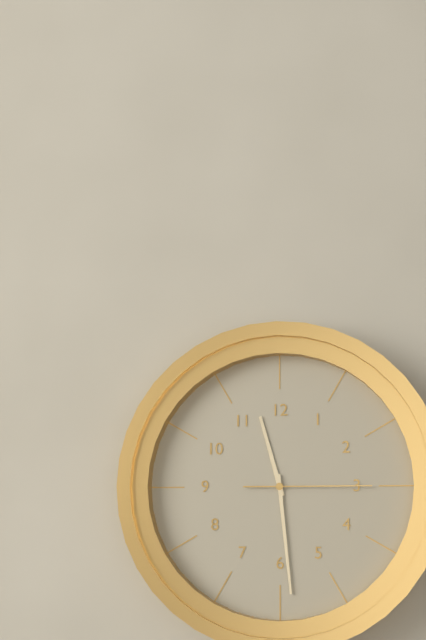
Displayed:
11:29:15
